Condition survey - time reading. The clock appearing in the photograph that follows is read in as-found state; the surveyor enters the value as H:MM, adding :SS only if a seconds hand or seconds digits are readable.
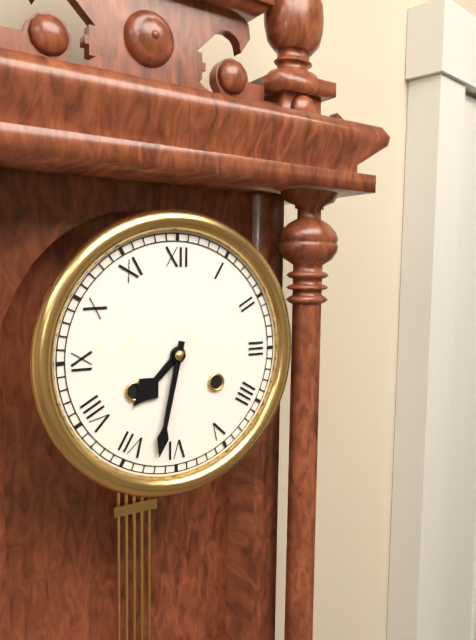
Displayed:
7:32
